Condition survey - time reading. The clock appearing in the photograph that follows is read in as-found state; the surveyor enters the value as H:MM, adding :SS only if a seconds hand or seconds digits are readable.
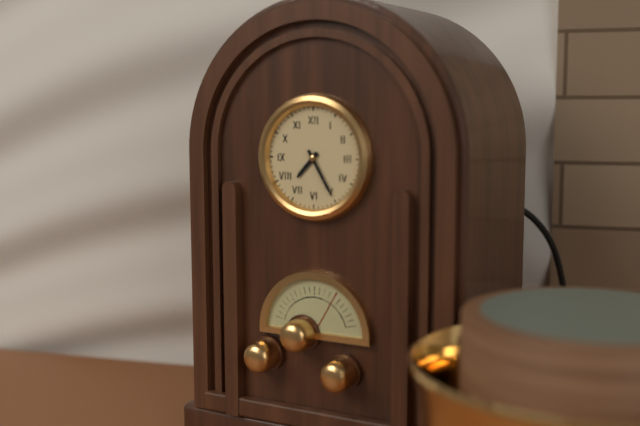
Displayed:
7:25
